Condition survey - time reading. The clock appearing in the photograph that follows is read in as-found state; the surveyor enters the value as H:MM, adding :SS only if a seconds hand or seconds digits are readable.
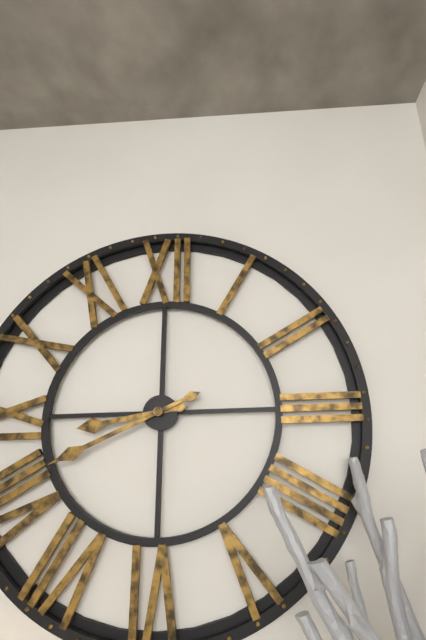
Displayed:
8:41
